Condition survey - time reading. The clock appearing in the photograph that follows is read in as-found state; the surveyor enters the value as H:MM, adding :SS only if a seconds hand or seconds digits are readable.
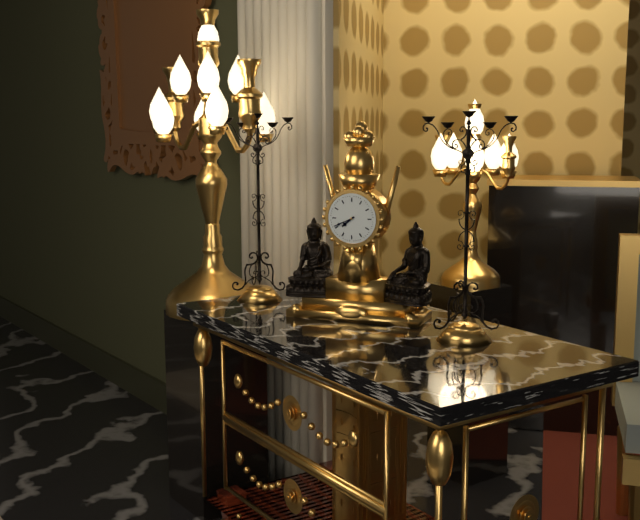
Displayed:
7:41
